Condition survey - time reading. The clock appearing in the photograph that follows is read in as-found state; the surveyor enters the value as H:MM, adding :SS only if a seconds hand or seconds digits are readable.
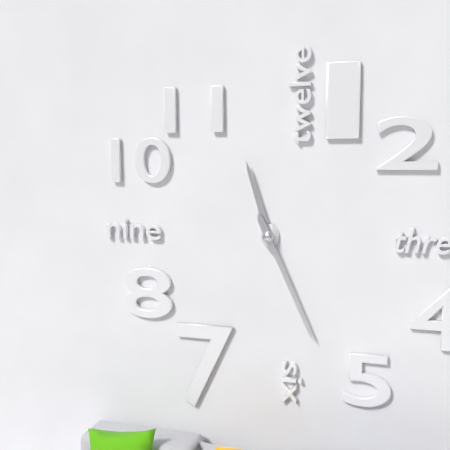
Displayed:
11:26
